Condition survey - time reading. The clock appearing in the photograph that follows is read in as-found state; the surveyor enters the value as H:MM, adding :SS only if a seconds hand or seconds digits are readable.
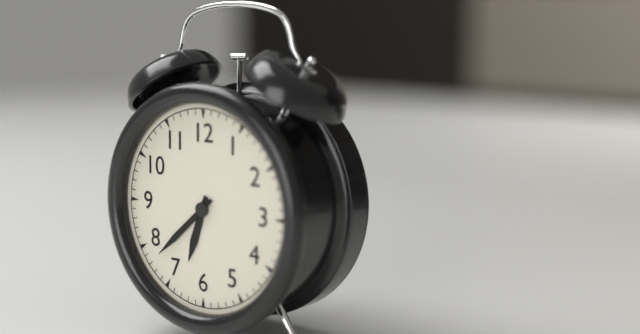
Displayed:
6:38
